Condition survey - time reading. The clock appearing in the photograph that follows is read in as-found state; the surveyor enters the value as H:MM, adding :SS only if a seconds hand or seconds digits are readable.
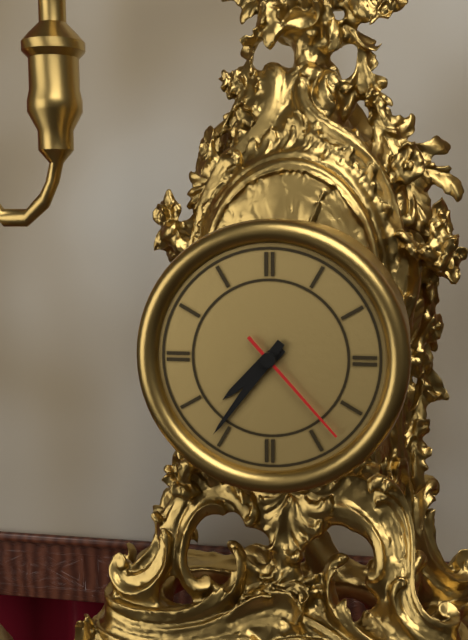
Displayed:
7:36:23
